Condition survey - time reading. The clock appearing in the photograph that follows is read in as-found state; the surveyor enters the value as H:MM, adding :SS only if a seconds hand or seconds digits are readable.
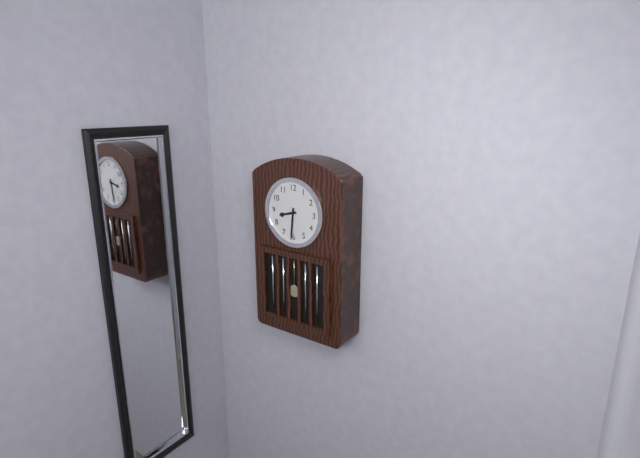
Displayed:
8:31
